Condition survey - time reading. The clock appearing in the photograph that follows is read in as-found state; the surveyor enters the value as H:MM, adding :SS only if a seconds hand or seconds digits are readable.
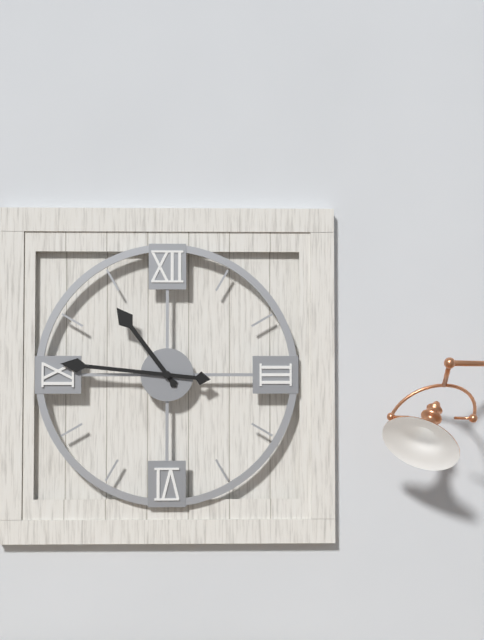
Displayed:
10:46
